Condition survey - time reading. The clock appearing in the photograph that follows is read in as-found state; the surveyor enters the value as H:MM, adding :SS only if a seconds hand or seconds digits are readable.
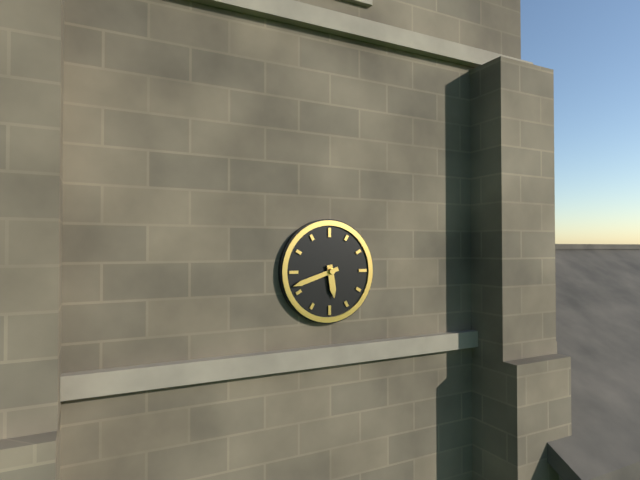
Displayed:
5:42
